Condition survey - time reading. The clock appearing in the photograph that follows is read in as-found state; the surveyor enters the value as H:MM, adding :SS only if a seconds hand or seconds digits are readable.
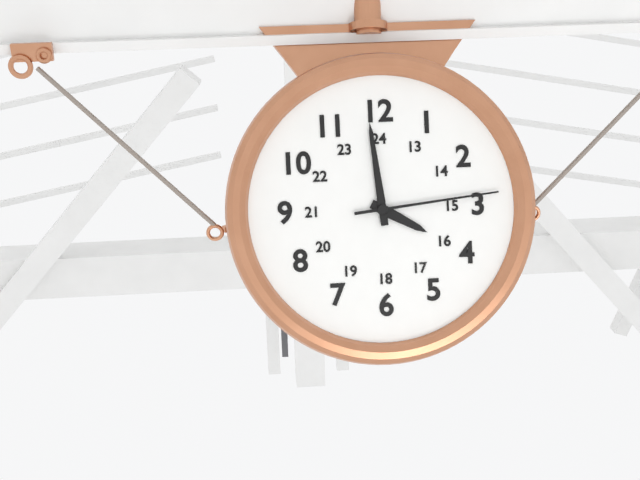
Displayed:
3:59:14
